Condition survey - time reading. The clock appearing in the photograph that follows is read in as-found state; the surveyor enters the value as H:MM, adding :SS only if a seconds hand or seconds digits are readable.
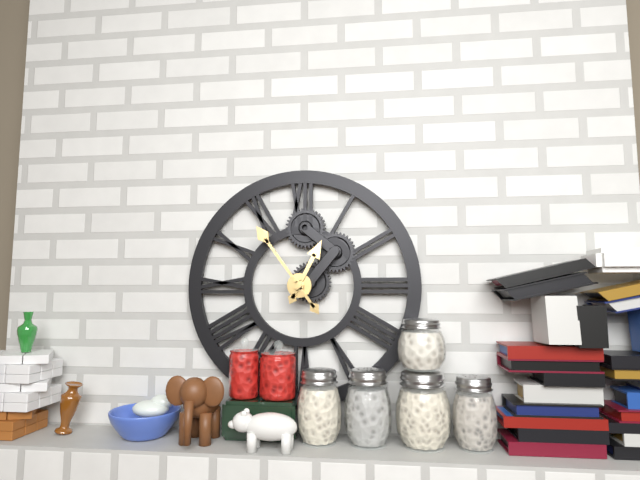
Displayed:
12:54
